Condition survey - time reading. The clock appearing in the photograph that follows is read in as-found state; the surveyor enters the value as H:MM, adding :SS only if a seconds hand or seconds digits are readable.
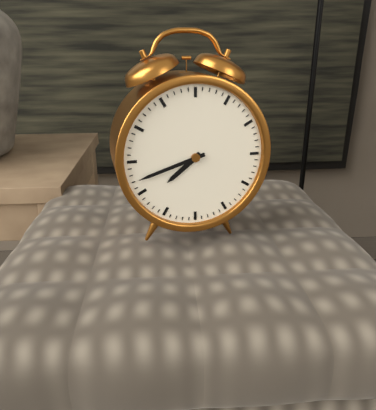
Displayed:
7:42
